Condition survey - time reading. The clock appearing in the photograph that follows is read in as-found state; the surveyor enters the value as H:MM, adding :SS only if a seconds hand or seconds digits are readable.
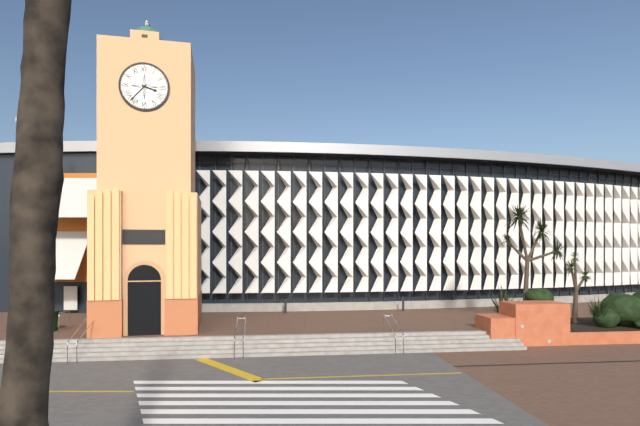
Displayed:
3:37
